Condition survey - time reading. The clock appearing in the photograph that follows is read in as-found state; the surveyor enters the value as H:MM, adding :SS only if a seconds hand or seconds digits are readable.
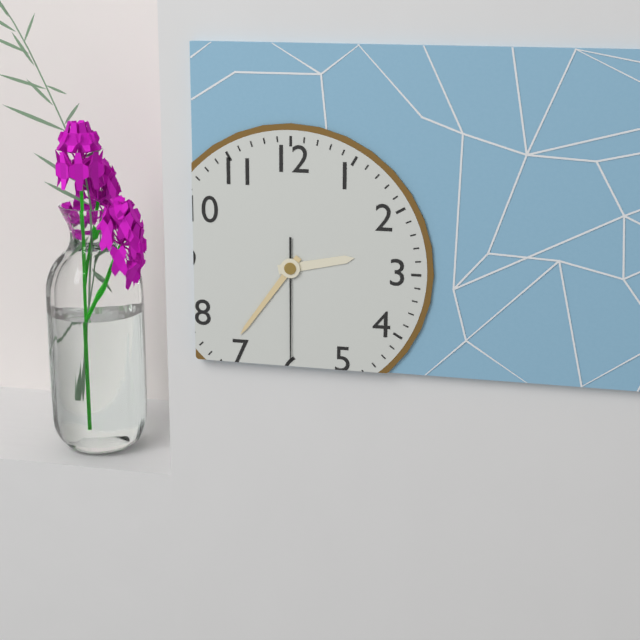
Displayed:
2:36:30
